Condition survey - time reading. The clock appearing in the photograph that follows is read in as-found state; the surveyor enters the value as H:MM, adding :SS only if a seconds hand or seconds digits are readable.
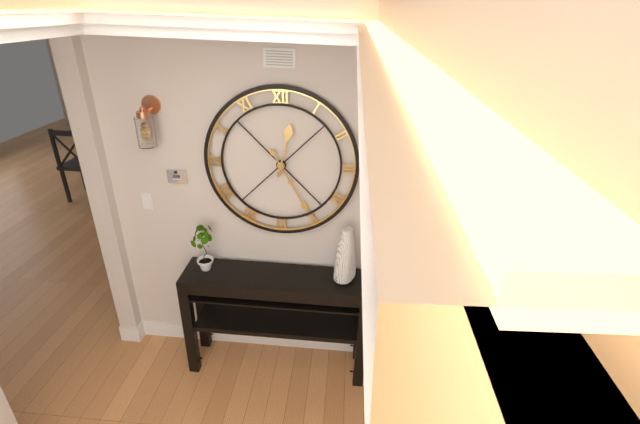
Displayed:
12:25
